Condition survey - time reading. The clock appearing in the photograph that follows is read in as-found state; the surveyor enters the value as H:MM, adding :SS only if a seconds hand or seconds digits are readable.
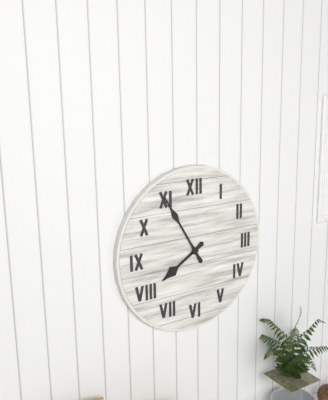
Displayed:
7:55
